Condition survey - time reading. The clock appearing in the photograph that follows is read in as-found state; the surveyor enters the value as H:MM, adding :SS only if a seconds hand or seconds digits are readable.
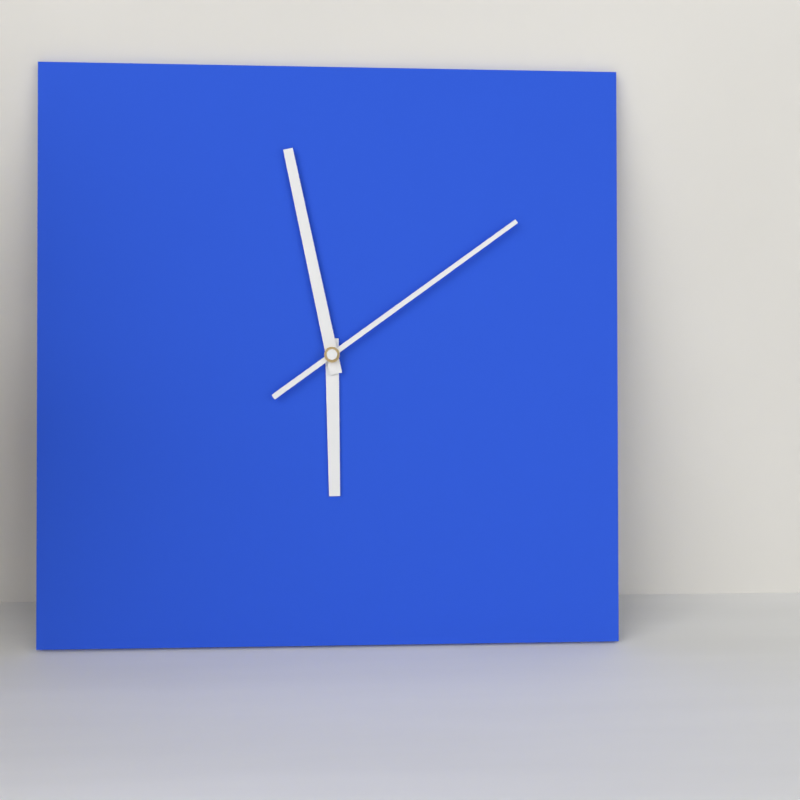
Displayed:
5:58:09
